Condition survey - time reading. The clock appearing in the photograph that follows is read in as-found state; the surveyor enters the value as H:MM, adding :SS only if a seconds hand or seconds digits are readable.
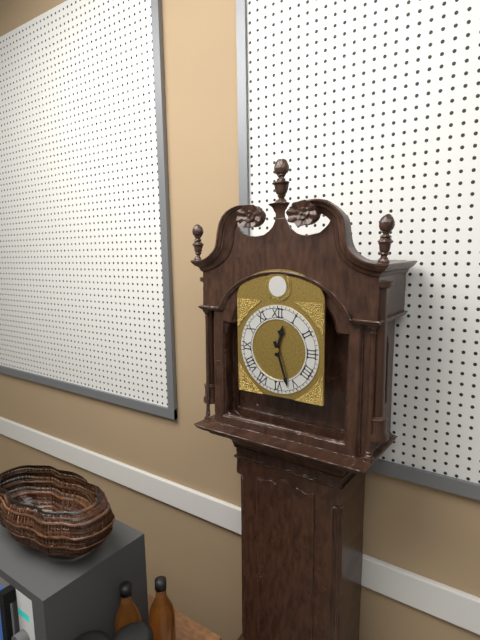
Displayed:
12:27
